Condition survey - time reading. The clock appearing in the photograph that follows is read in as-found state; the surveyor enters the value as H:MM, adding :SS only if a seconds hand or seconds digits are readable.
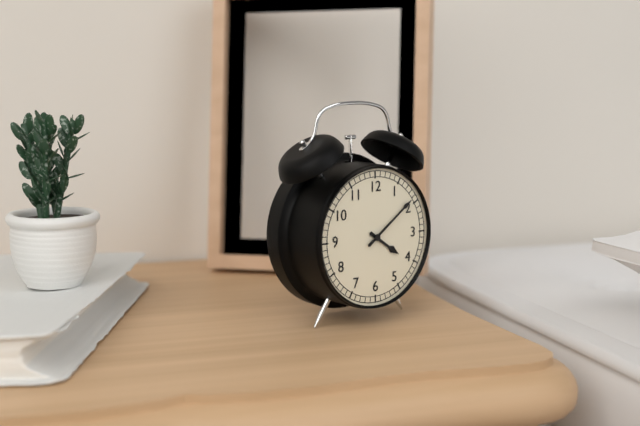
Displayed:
4:09
